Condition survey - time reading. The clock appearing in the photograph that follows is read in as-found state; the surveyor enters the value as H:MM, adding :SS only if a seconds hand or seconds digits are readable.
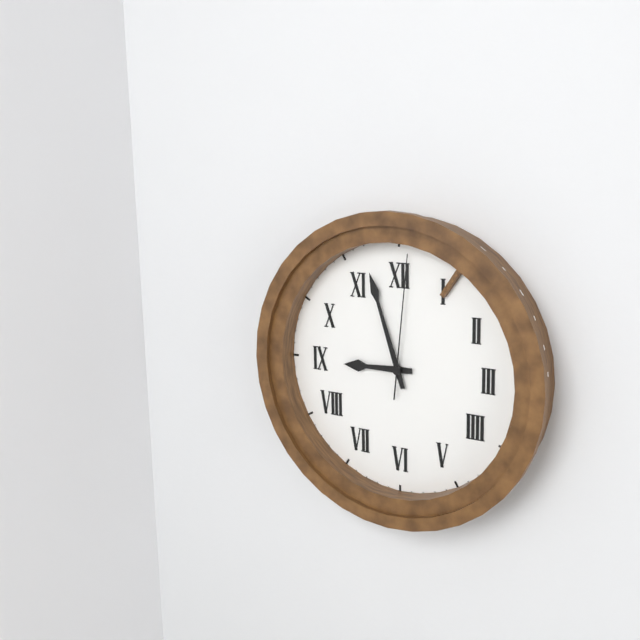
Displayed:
8:57:01
